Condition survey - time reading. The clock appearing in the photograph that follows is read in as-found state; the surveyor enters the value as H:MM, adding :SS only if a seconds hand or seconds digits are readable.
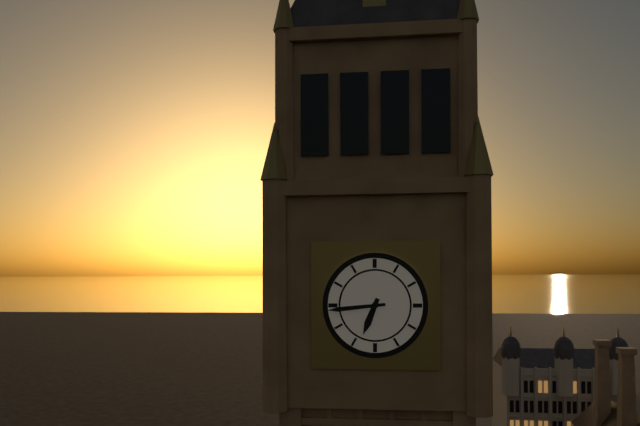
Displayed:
6:44
